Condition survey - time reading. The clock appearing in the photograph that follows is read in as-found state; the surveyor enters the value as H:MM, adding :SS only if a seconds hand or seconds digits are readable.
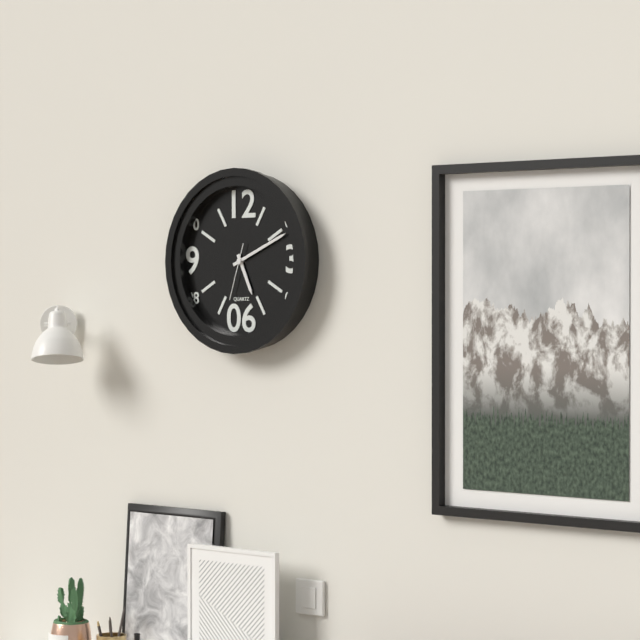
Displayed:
5:11:33
